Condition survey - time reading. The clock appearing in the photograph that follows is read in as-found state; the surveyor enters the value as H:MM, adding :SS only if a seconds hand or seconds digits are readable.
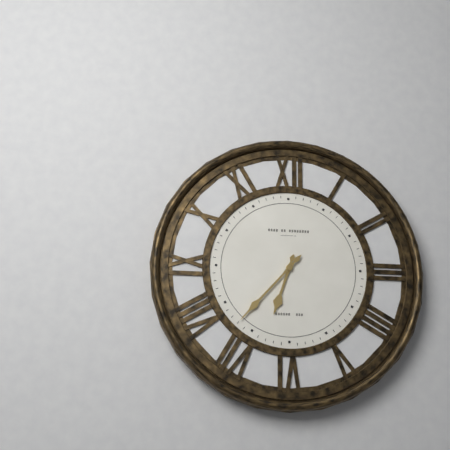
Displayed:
6:37
